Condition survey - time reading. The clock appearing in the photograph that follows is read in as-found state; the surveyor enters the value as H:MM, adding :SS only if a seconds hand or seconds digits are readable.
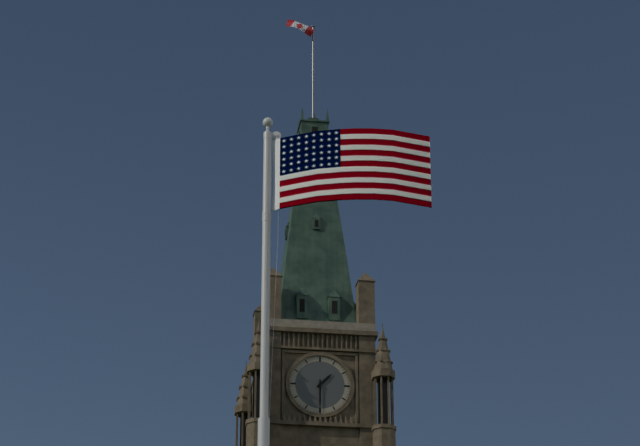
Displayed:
1:30
